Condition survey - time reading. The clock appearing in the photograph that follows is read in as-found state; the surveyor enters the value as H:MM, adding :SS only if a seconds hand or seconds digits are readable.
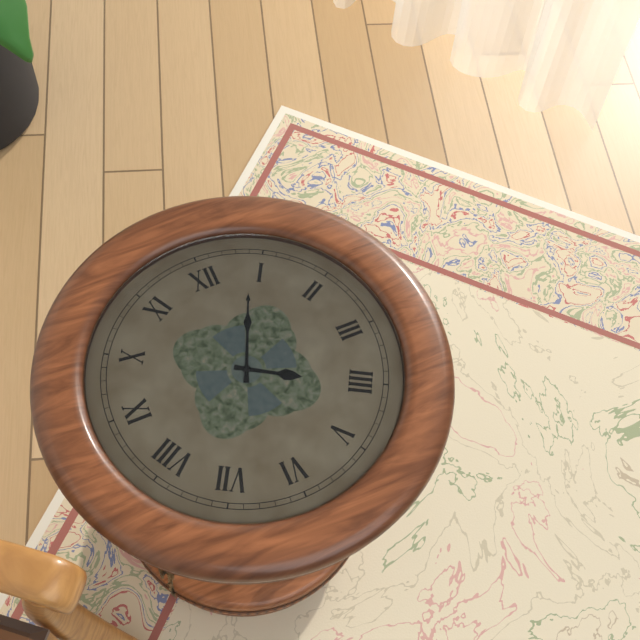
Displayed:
4:04
